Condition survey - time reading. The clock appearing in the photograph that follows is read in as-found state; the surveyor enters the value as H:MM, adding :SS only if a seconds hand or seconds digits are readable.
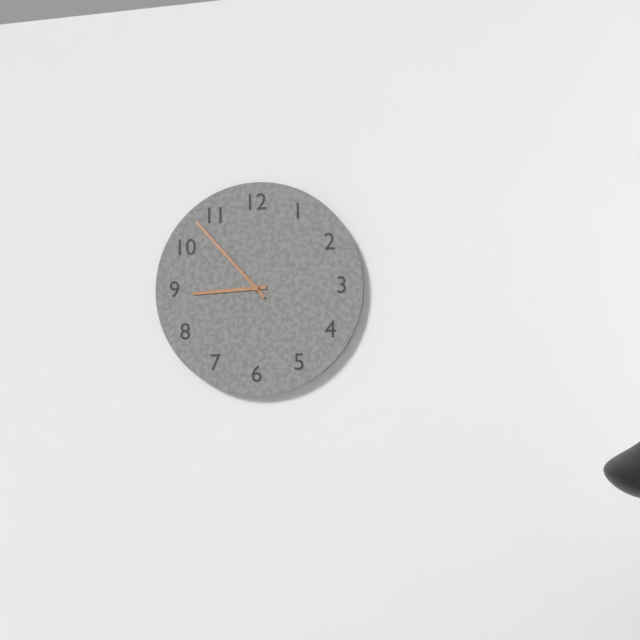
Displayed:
8:53
